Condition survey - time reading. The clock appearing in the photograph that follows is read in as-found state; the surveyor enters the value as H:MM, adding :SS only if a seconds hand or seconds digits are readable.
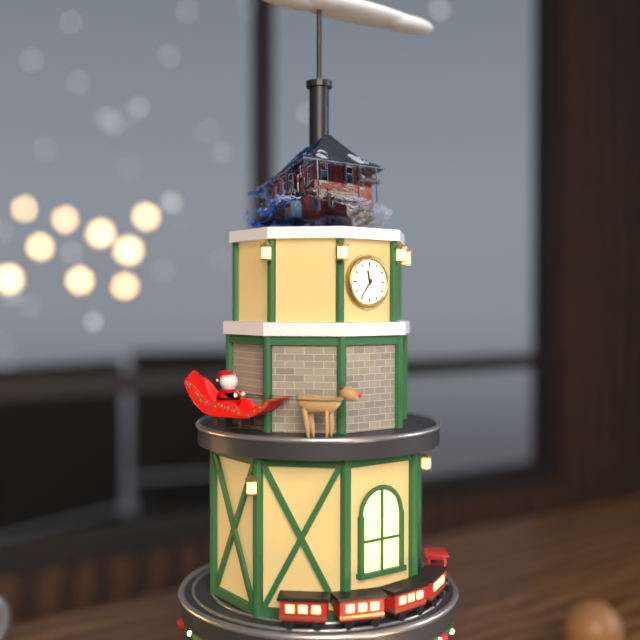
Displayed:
11:36
